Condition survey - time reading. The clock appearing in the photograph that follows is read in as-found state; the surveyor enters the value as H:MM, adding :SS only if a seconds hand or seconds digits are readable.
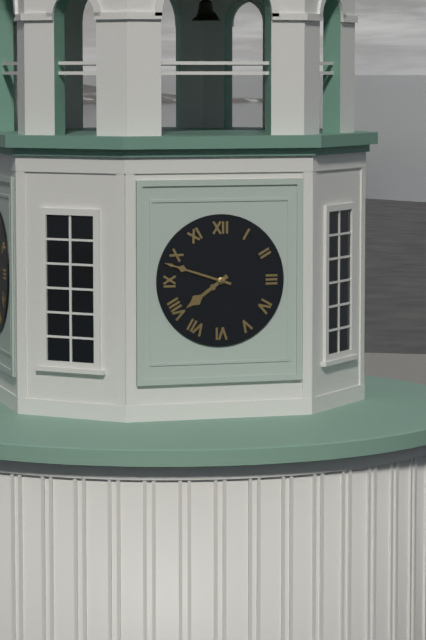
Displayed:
7:48
